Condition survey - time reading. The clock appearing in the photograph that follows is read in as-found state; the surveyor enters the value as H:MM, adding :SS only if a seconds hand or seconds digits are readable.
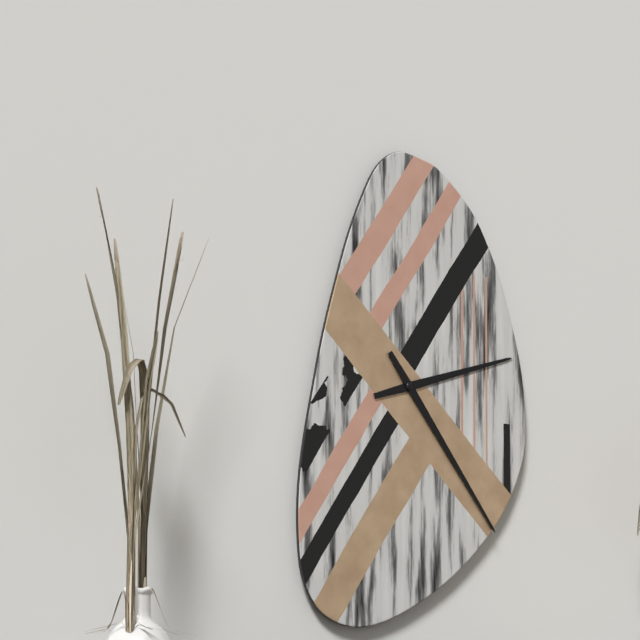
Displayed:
2:24
